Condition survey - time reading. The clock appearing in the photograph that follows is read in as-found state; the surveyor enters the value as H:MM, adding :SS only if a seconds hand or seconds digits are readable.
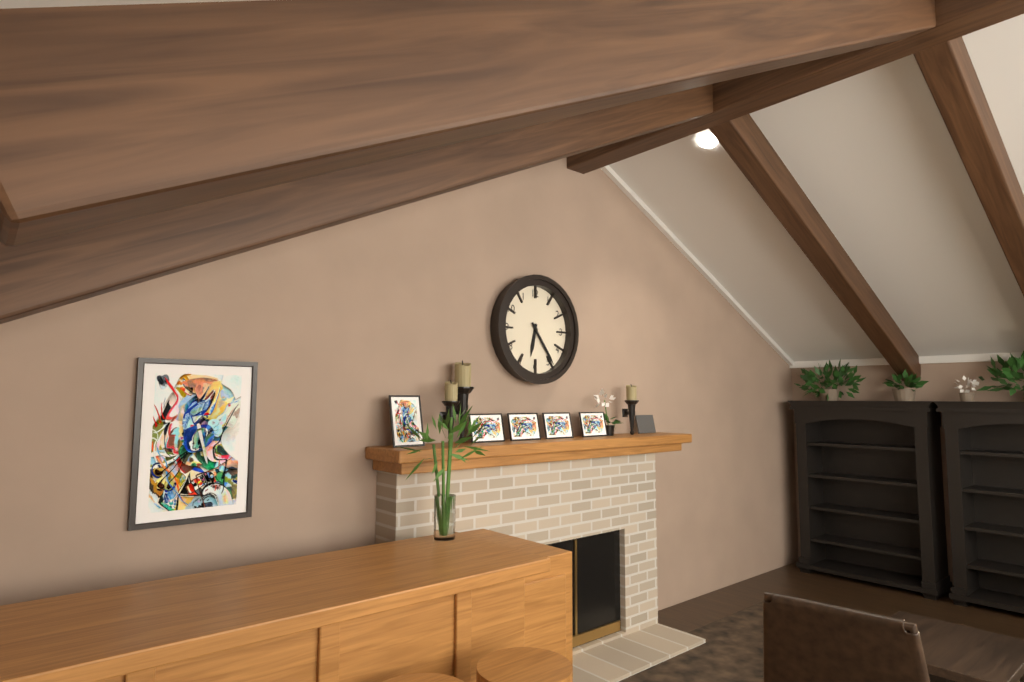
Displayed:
6:24
